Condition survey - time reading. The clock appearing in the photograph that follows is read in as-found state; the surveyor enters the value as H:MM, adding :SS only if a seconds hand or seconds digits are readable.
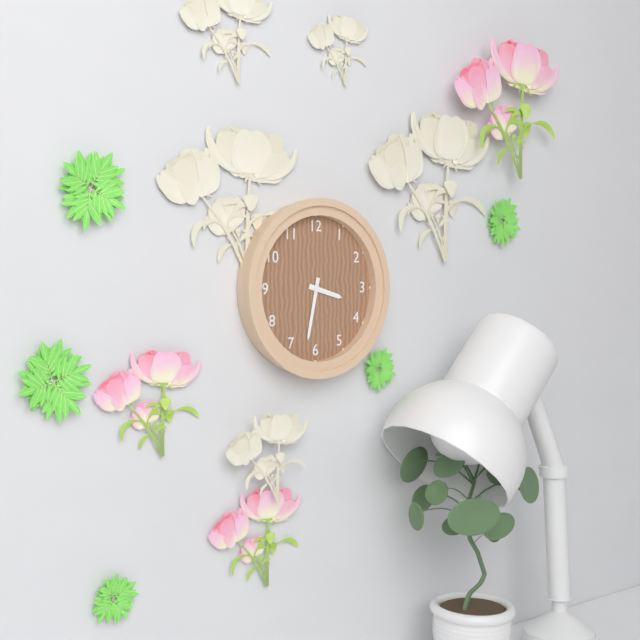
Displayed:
3:32
